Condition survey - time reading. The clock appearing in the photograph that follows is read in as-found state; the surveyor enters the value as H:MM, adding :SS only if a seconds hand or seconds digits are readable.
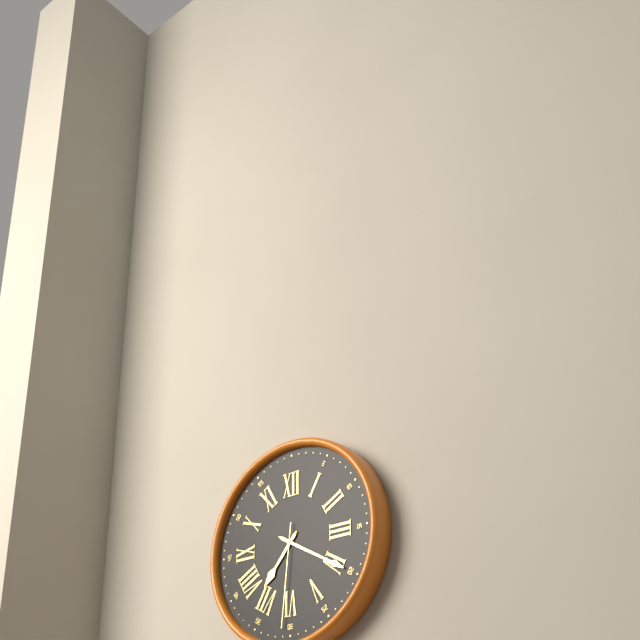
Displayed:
7:20:31
